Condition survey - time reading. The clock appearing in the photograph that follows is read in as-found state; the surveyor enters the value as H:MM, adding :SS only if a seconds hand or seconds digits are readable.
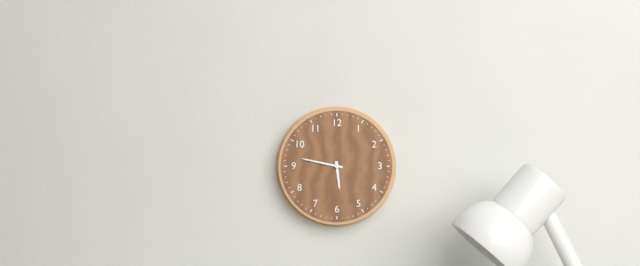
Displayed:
5:47
